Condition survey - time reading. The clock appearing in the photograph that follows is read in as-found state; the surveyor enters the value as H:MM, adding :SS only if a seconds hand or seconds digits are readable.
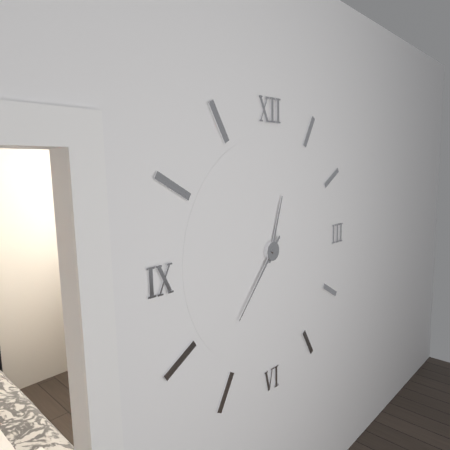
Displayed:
12:37
